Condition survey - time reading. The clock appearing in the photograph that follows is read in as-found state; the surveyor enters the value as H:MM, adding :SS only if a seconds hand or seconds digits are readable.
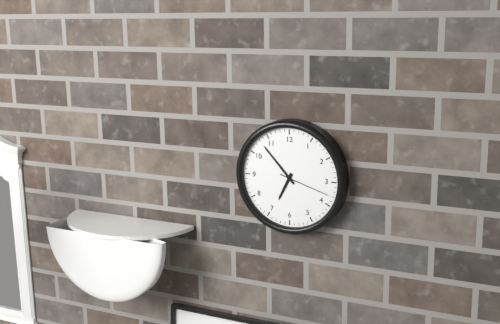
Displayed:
6:53:18
